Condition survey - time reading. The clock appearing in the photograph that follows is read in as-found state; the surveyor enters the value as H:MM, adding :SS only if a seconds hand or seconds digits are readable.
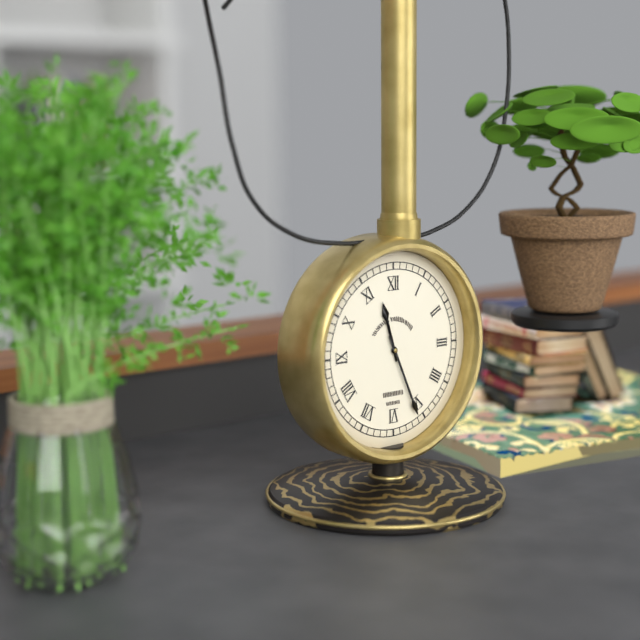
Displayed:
11:26
